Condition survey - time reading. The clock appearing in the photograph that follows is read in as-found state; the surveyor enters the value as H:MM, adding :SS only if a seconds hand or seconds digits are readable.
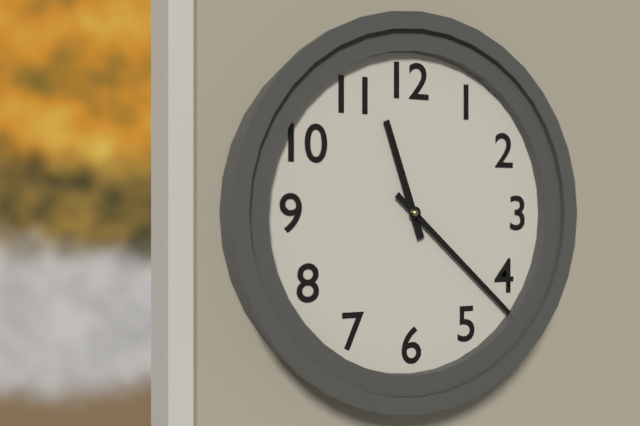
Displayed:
11:22
